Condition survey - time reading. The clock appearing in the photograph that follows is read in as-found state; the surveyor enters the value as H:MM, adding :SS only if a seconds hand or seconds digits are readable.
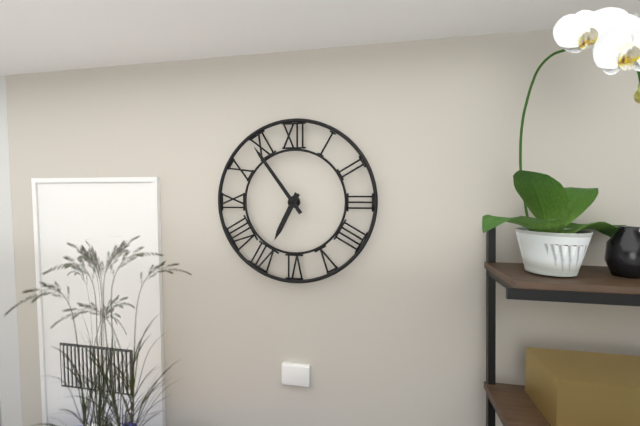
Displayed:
6:54
